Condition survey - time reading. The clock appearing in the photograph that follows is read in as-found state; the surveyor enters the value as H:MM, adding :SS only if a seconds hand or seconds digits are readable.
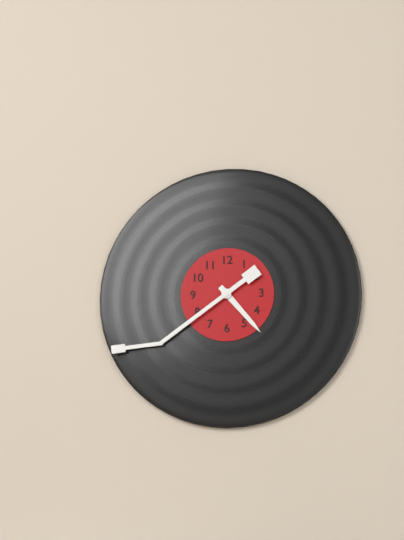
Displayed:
4:39
